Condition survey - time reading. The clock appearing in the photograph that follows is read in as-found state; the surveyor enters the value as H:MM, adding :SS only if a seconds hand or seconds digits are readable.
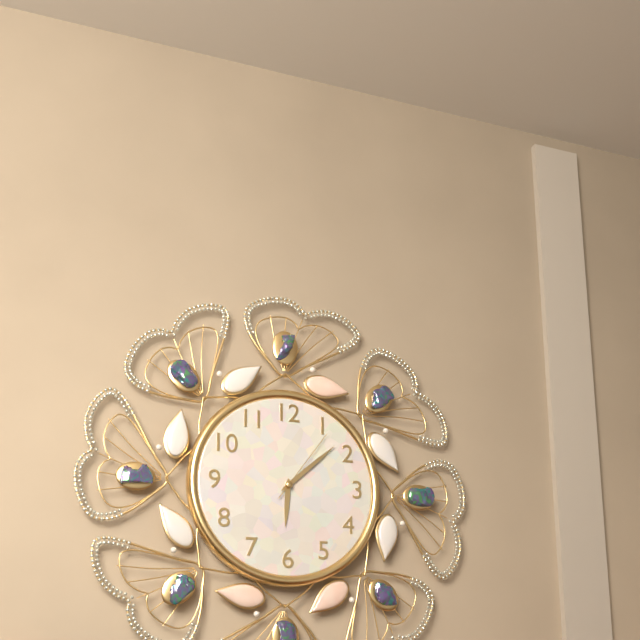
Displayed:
6:08:06
